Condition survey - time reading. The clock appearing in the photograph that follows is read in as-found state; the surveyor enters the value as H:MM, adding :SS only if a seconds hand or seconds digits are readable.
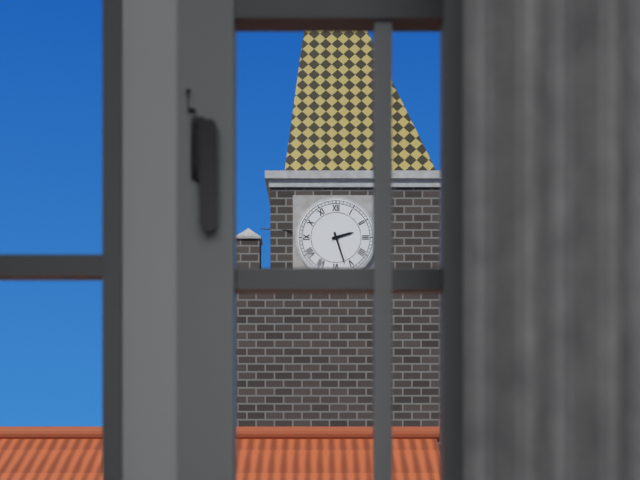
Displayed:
2:27
